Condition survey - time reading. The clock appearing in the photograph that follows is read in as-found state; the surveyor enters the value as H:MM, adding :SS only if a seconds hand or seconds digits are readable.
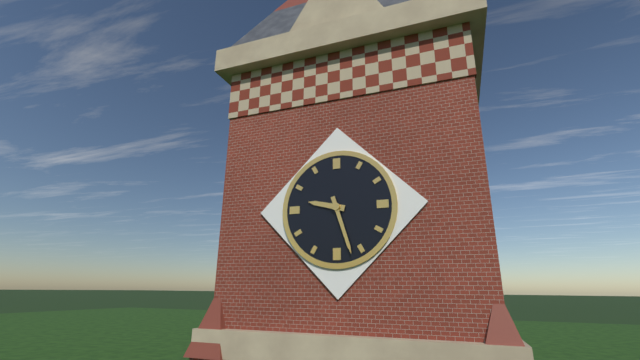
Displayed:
9:27
